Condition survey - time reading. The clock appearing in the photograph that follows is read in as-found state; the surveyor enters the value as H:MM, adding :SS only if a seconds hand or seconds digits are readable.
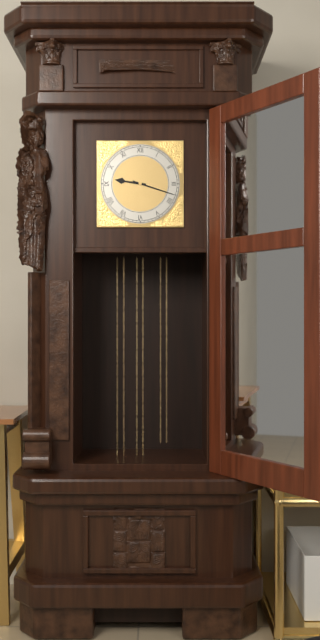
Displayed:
9:18
